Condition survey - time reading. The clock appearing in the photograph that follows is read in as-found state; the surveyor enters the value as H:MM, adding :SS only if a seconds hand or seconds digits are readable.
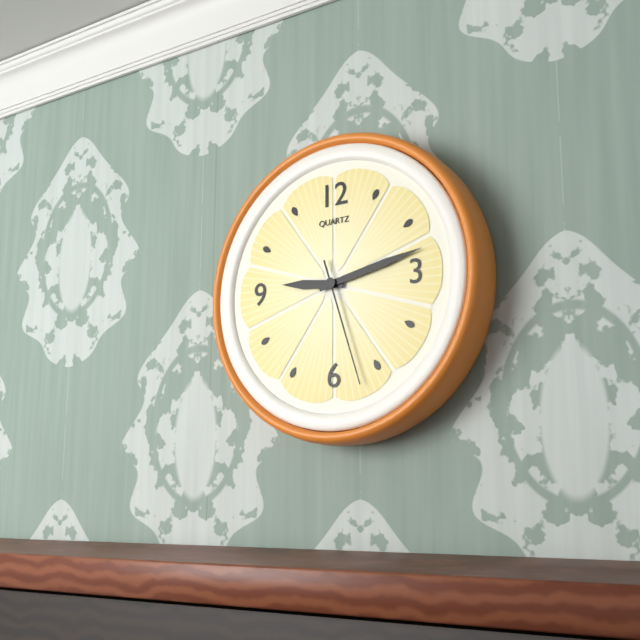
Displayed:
9:13:27
